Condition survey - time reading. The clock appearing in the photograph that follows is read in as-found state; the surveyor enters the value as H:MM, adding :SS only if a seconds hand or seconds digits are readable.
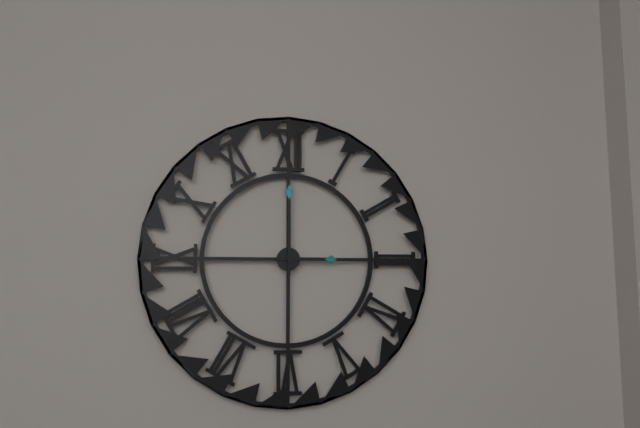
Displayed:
3:00
